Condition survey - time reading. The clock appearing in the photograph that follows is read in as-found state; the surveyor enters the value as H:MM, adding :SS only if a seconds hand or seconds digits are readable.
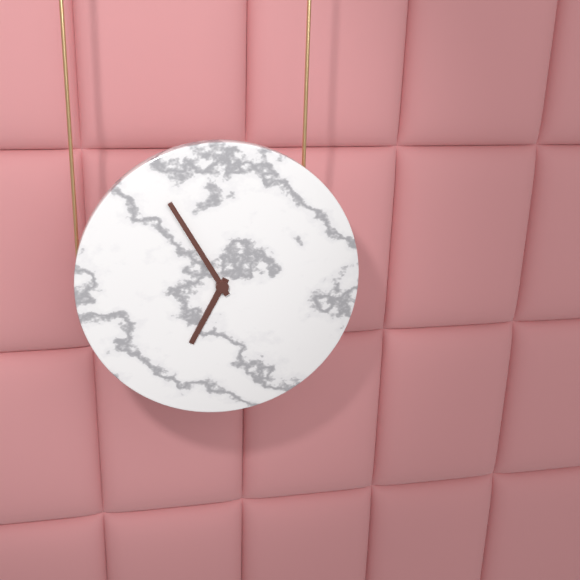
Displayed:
6:55
